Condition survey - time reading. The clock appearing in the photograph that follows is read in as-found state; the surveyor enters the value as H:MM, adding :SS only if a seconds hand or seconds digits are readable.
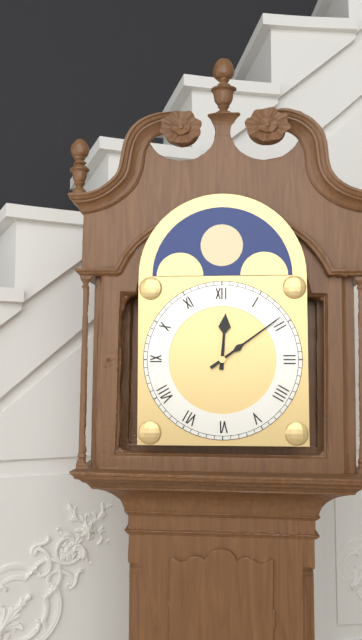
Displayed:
12:09
